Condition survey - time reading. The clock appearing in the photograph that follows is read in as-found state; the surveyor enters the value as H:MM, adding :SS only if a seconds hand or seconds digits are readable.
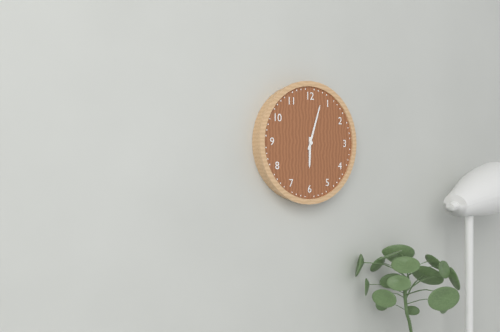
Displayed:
6:03
